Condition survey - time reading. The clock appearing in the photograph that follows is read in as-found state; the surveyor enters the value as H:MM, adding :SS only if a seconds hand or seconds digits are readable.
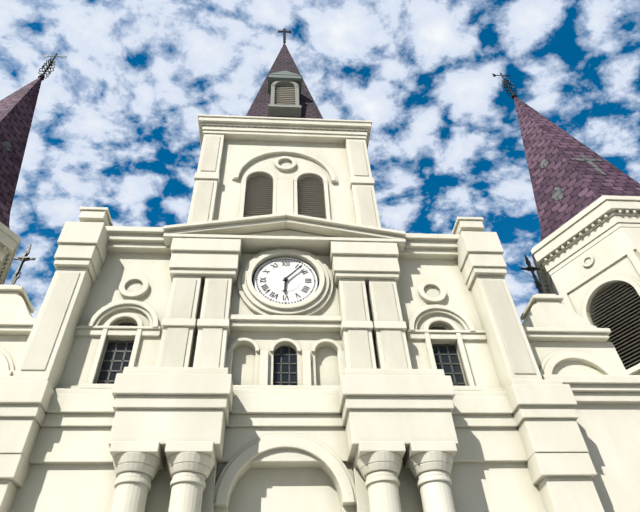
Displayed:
6:07
